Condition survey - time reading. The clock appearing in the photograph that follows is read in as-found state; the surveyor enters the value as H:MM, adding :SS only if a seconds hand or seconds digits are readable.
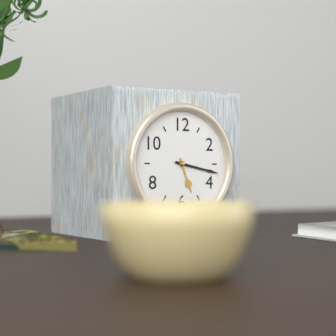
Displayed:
5:17
